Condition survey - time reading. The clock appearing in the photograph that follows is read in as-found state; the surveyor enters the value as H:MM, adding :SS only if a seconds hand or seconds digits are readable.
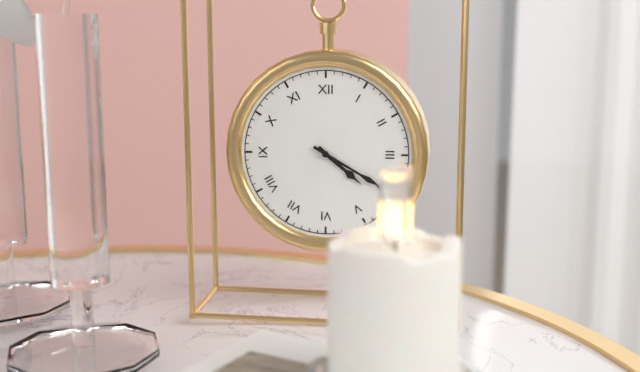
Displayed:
4:20
